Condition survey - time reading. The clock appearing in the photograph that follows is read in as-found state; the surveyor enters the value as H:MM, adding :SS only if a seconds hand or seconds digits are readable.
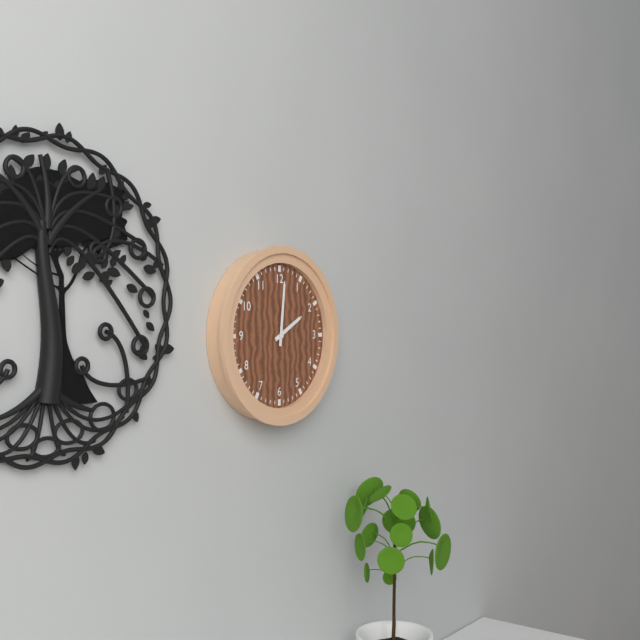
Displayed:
2:01
